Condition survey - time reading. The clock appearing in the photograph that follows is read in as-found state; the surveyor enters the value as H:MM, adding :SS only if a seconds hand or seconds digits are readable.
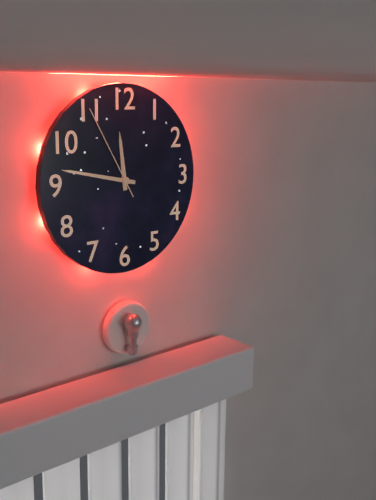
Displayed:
11:47:55
